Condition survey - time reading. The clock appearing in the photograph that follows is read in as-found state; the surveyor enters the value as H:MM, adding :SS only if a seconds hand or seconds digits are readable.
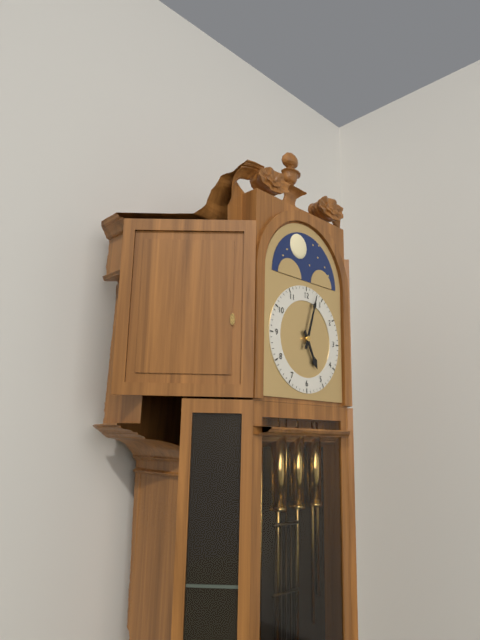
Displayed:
5:03
